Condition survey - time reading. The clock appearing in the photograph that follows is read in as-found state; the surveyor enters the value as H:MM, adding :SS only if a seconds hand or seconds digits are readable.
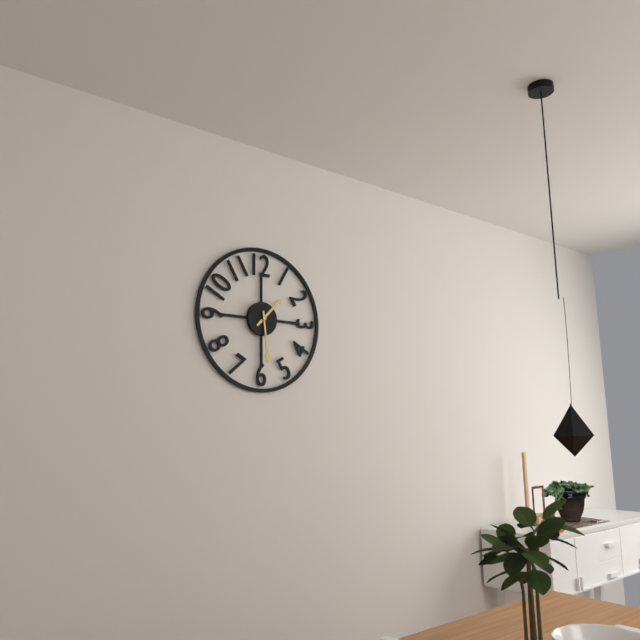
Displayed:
1:29
